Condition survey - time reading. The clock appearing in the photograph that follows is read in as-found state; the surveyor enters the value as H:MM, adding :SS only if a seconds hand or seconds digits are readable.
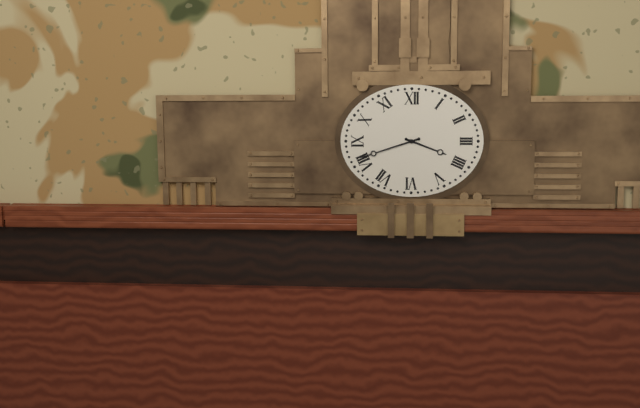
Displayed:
3:42
